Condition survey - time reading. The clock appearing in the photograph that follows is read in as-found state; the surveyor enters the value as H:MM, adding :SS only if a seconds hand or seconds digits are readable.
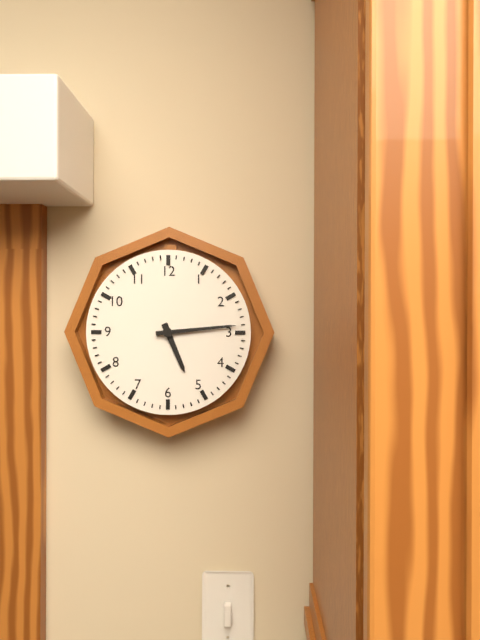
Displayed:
5:14
